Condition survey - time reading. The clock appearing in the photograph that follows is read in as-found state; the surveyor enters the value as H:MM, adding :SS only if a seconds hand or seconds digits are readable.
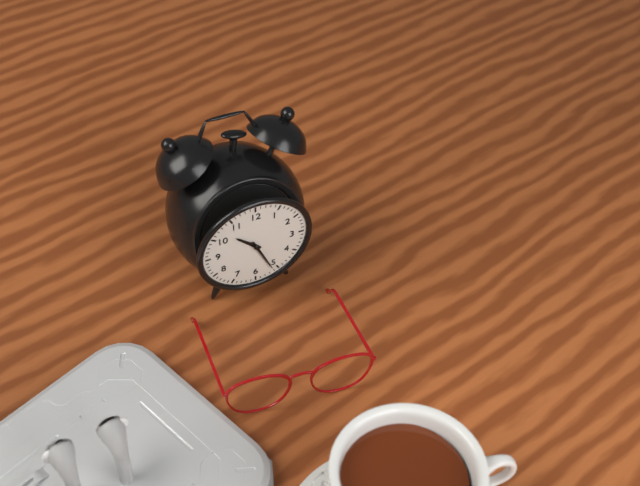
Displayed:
10:26
